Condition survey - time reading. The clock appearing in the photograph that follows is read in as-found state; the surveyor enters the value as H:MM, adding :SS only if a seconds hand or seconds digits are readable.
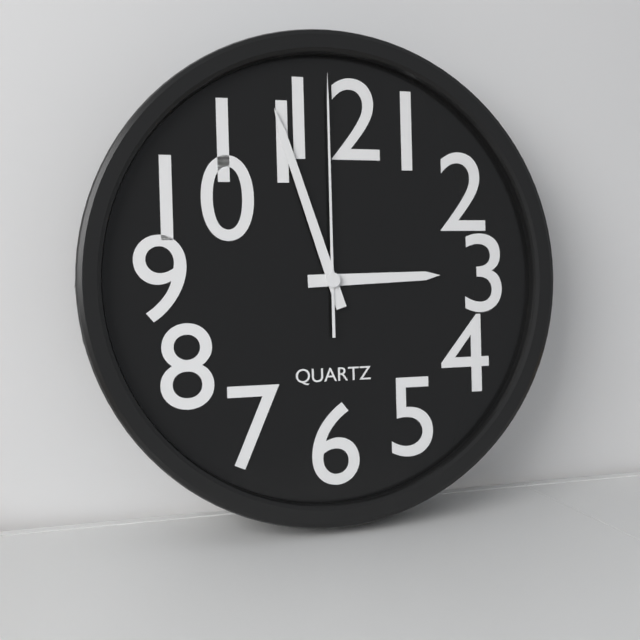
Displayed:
2:57:00
